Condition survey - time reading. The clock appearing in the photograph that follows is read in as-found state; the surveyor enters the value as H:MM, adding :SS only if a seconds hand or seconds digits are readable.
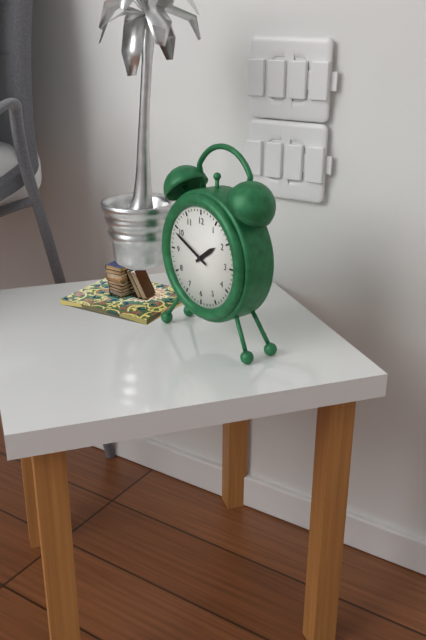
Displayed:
1:49
